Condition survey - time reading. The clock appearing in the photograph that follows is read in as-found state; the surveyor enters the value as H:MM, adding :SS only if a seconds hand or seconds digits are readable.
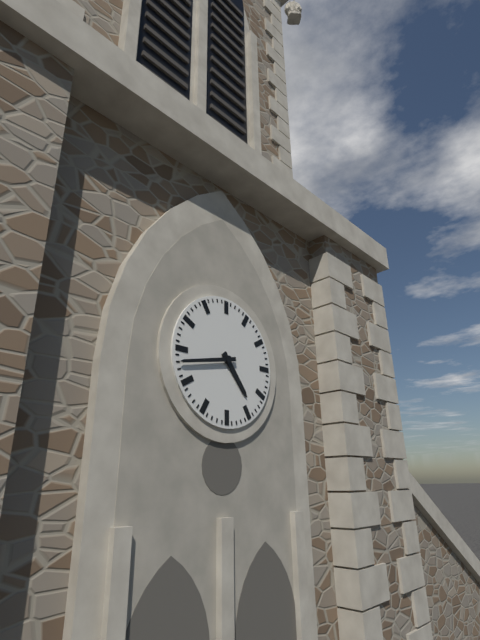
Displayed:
4:43
